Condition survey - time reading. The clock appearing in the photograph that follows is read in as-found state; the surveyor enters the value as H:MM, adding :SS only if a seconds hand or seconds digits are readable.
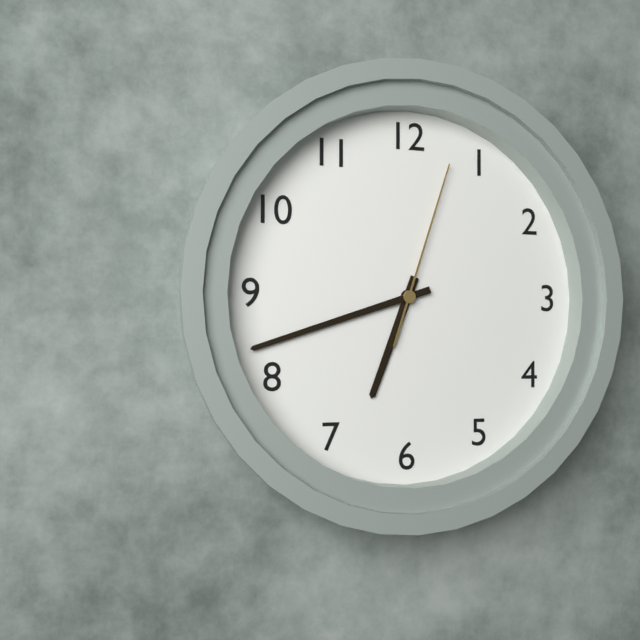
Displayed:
6:42:03
